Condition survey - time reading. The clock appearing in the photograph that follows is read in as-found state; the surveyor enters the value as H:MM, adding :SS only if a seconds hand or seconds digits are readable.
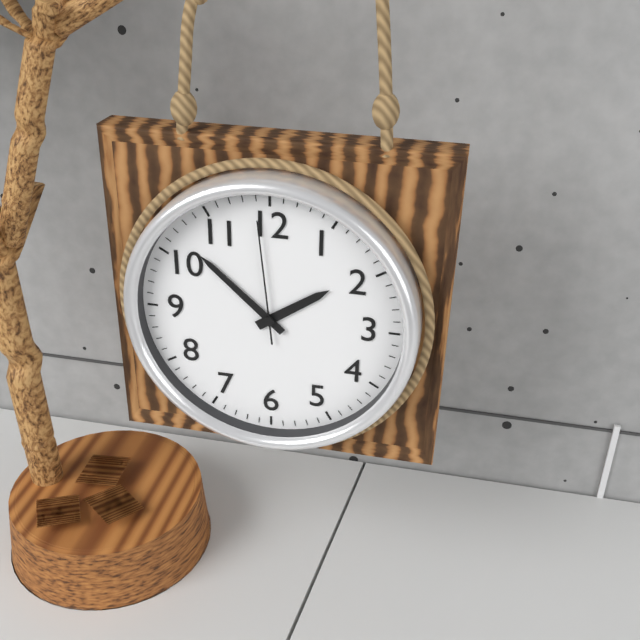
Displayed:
1:52:59
